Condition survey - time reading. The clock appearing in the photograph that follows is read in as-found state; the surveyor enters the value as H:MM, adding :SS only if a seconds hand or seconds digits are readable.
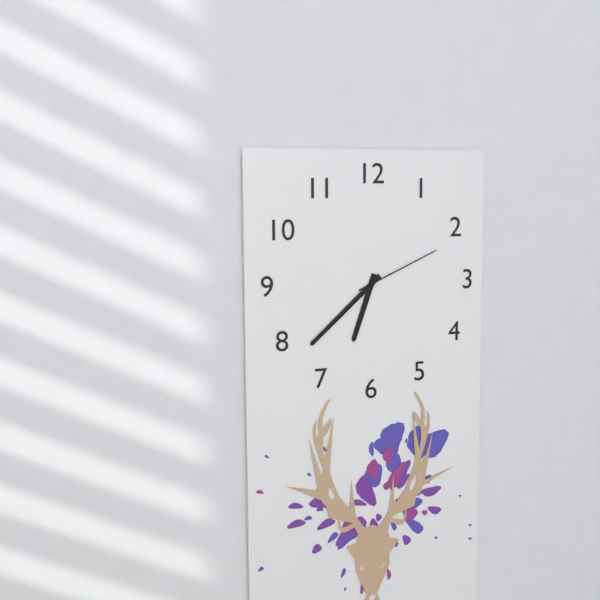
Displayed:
6:38:11
